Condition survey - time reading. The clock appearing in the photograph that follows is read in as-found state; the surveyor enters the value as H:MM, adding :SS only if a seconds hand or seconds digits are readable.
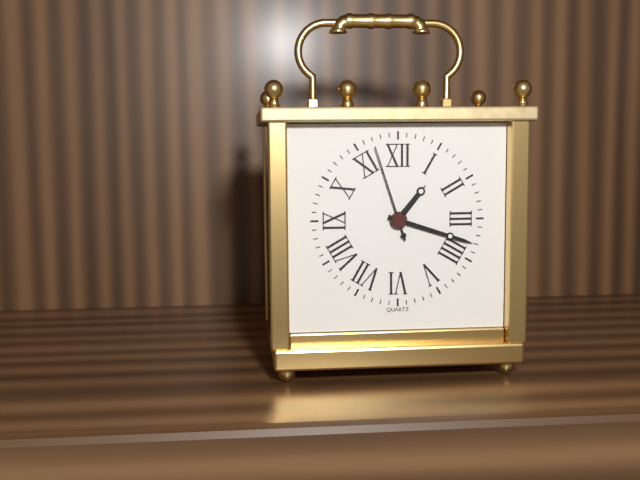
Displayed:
1:18:57
